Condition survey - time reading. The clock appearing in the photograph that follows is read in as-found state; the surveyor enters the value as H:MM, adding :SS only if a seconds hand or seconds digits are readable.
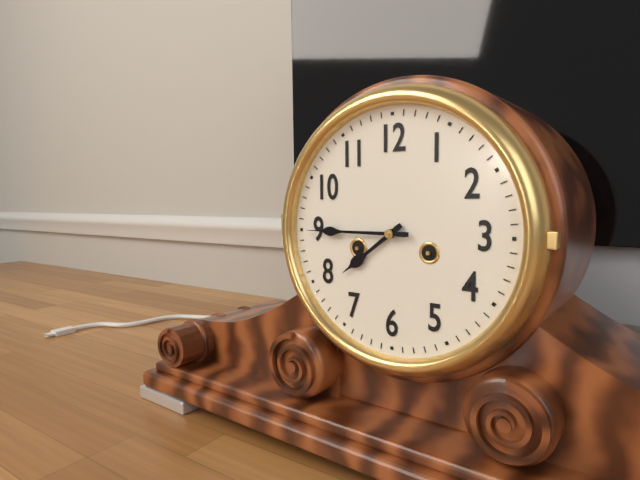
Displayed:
7:45
